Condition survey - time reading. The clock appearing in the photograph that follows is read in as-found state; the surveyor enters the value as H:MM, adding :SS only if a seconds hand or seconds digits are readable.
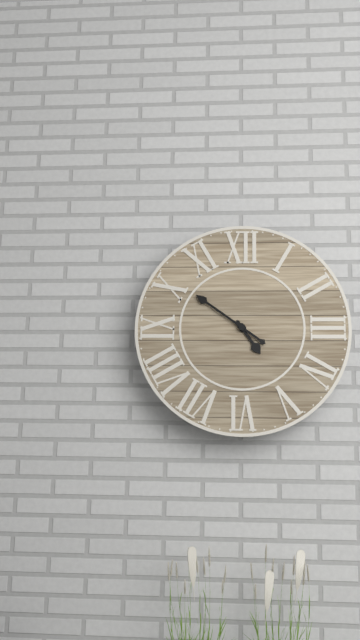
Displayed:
4:51
